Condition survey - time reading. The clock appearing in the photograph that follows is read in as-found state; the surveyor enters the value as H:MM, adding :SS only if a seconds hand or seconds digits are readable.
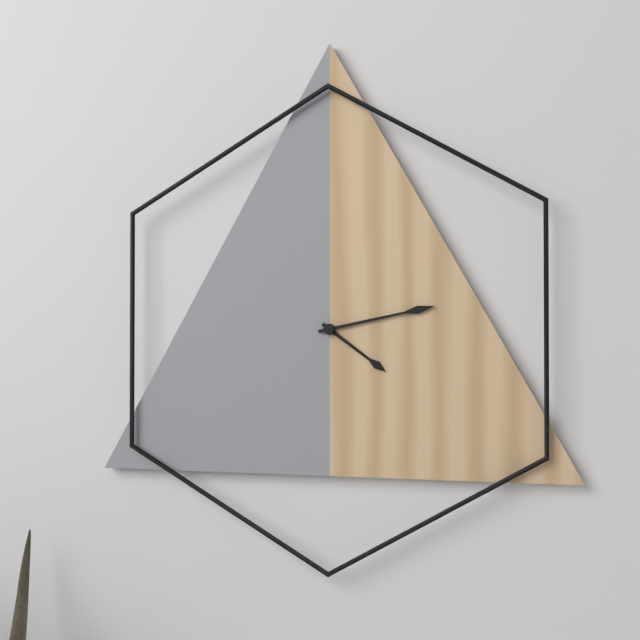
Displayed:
4:13
